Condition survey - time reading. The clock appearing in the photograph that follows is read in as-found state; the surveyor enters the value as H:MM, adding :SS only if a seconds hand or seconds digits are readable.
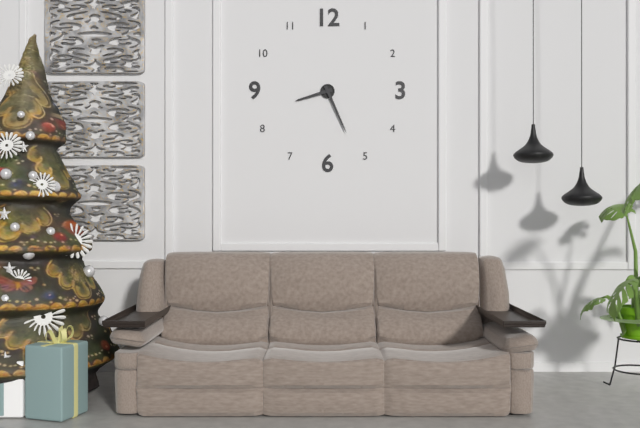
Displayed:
8:26
